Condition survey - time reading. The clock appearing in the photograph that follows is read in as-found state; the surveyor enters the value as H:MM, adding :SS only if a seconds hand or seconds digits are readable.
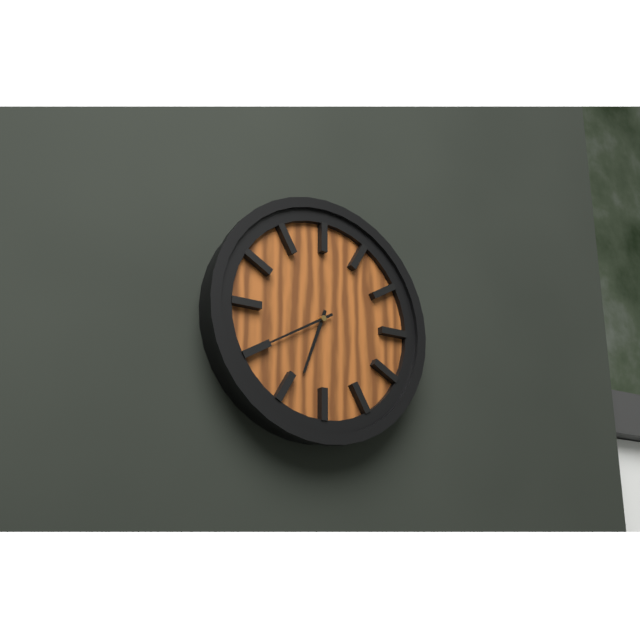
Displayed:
6:40
